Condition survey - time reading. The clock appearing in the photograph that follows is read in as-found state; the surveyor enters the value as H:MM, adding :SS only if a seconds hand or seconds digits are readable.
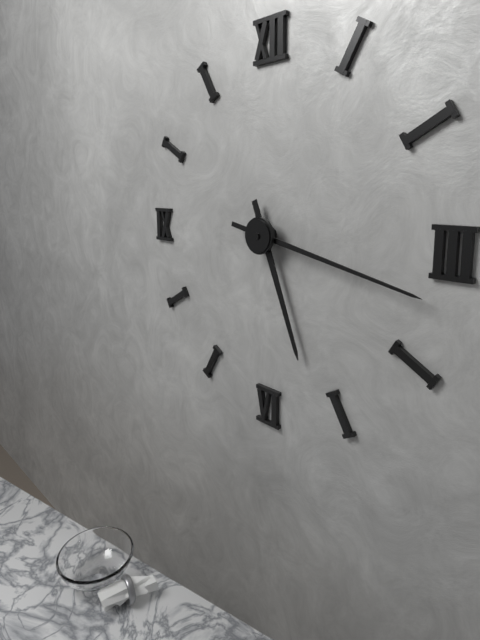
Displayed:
5:17
